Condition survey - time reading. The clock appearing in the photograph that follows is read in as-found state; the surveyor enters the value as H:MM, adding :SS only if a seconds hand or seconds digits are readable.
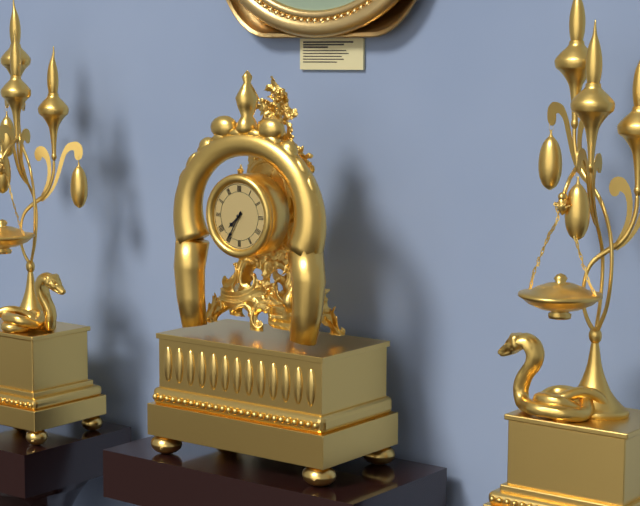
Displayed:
7:35
